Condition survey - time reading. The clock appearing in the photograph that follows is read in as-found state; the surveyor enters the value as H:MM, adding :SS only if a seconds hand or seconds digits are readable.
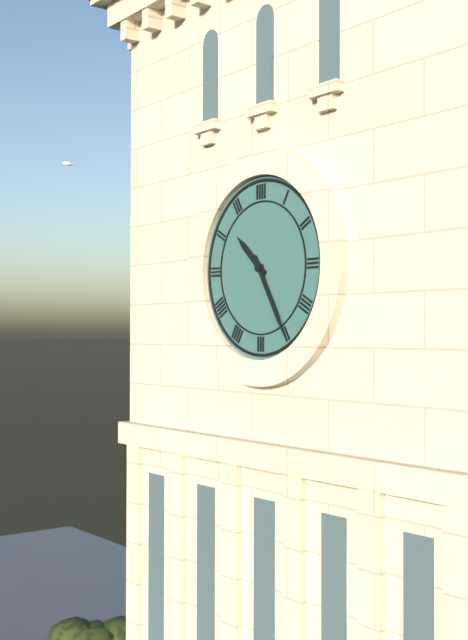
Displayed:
10:25
